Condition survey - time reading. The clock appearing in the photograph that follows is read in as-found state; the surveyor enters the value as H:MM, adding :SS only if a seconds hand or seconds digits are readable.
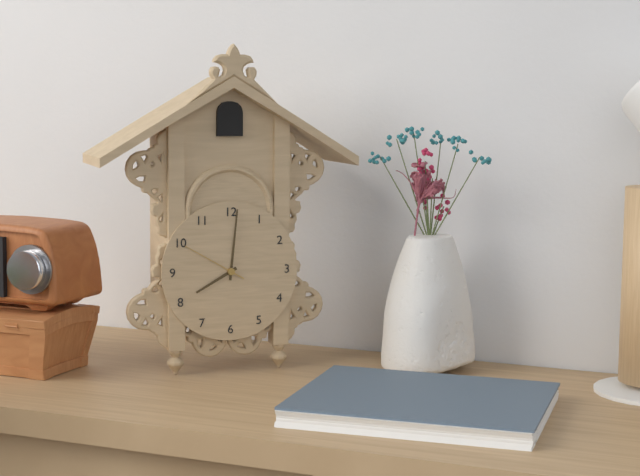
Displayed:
8:01:50
